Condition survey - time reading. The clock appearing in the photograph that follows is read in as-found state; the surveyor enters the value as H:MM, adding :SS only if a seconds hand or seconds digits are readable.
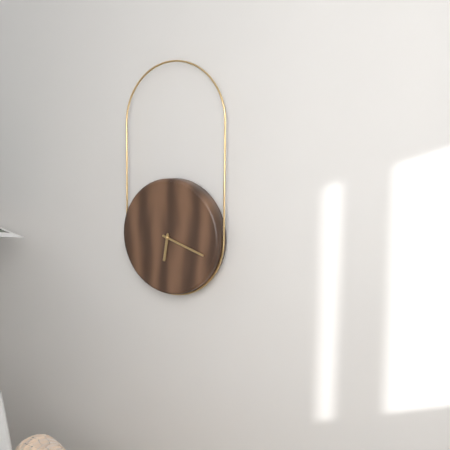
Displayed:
6:18
